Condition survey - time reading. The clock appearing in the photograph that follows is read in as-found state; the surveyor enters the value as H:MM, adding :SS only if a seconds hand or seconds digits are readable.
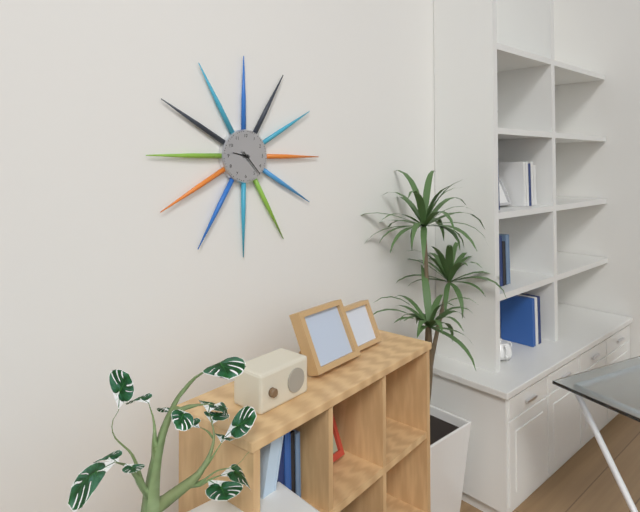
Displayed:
9:23
